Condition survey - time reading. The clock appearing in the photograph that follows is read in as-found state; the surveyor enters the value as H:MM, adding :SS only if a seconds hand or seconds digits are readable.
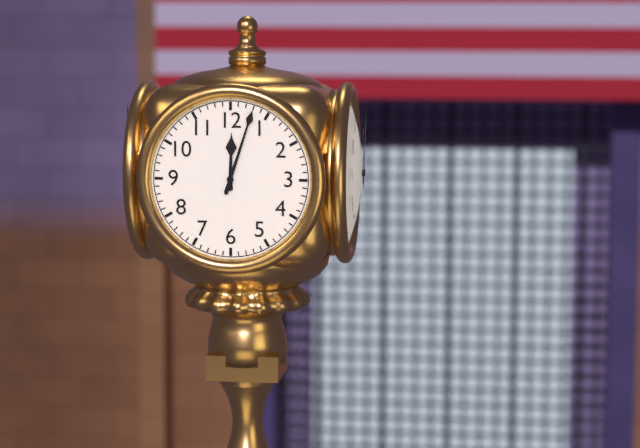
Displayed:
12:03
